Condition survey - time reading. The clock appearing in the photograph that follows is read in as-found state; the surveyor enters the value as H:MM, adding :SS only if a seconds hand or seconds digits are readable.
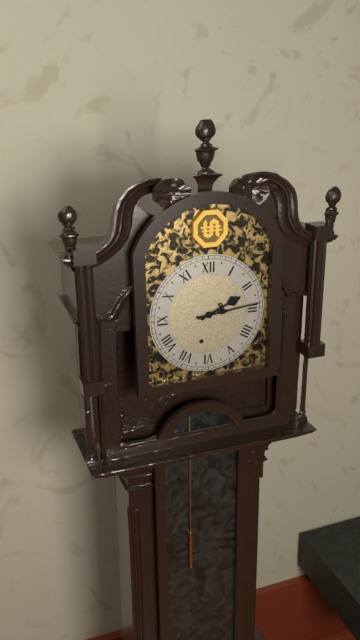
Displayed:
2:14
